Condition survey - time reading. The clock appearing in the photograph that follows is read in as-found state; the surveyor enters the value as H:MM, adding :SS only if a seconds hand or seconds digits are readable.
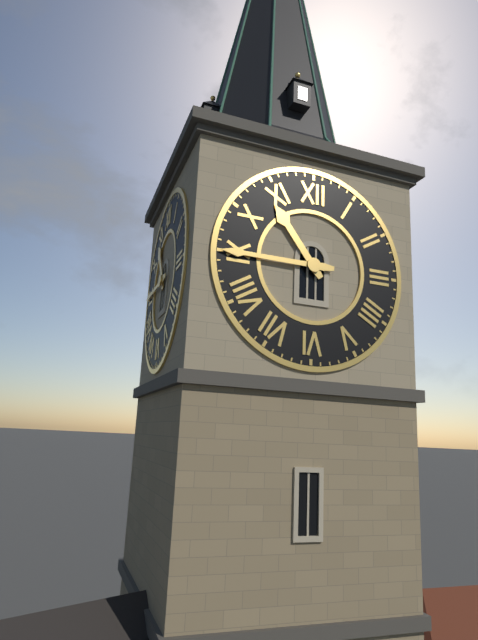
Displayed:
10:45
